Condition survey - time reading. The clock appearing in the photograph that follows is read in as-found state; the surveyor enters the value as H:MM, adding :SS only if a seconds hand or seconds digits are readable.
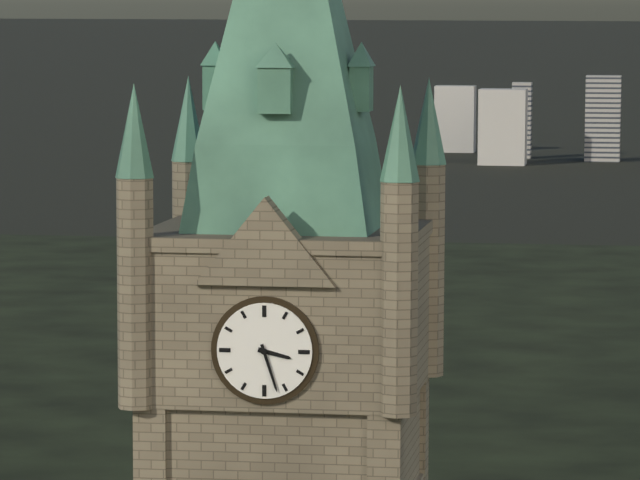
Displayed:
3:27
